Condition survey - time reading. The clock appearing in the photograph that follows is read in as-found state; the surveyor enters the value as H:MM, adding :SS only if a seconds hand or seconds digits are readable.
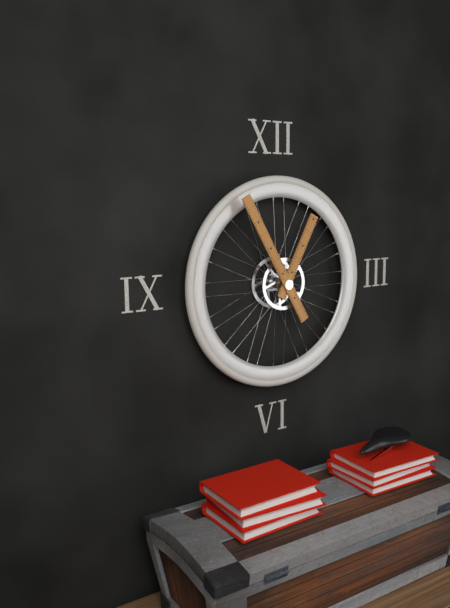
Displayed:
12:55
